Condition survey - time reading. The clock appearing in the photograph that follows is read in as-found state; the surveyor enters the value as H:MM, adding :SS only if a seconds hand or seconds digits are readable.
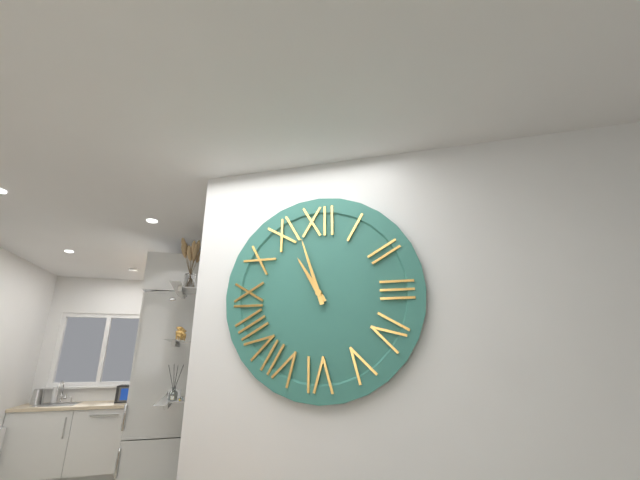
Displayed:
10:57
